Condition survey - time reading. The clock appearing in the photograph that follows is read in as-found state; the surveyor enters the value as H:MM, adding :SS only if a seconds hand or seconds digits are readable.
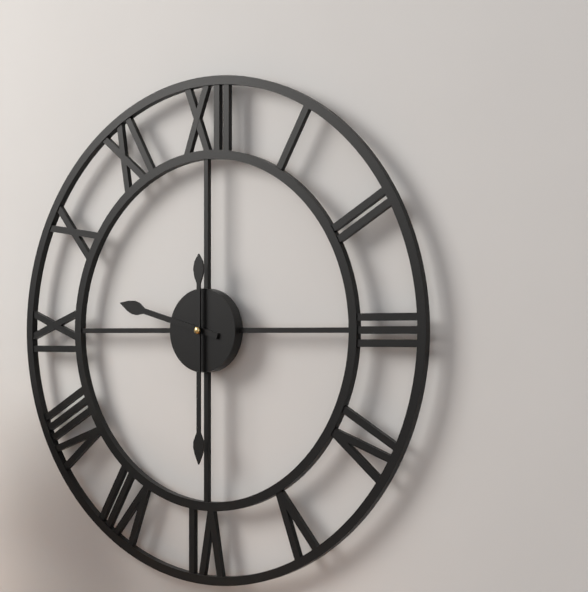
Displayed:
9:30
